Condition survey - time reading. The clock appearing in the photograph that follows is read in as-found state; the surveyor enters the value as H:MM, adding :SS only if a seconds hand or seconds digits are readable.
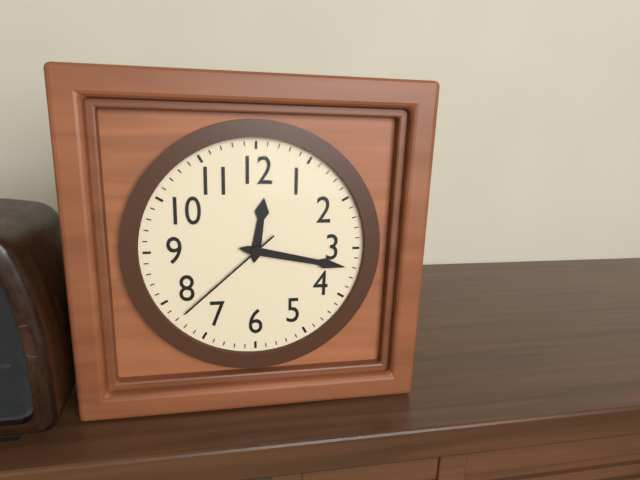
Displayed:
12:17:38
